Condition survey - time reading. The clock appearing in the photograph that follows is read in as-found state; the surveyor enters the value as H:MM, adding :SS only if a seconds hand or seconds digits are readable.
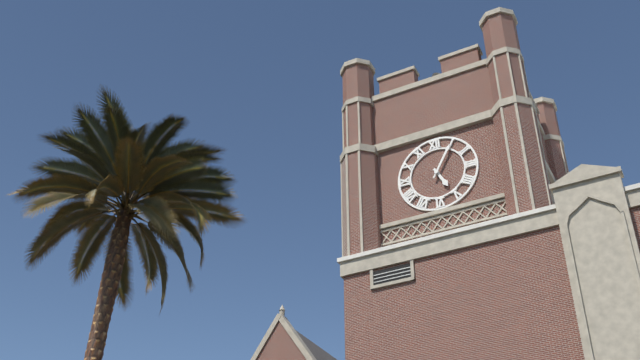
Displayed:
5:05
